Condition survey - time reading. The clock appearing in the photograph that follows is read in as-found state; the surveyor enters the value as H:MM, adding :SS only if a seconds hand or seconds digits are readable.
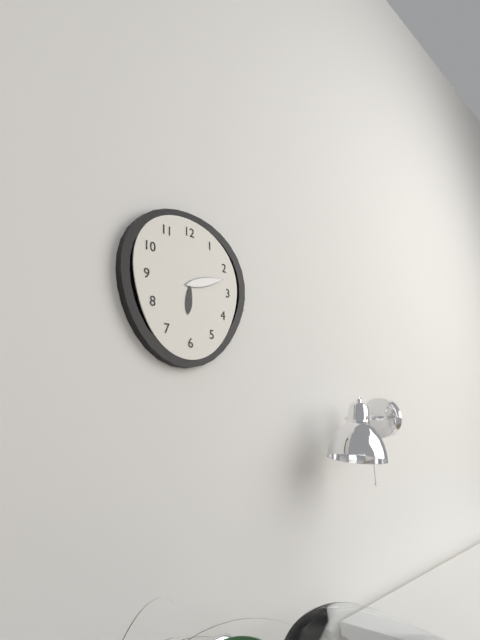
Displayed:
6:12
